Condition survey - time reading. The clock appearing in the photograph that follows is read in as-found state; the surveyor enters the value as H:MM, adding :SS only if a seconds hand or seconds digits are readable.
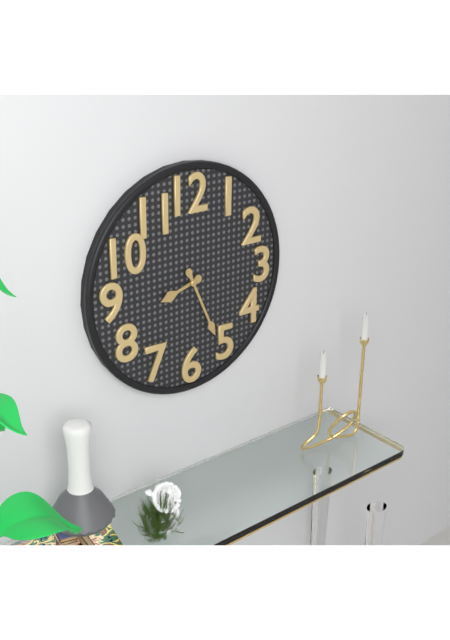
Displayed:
8:26
